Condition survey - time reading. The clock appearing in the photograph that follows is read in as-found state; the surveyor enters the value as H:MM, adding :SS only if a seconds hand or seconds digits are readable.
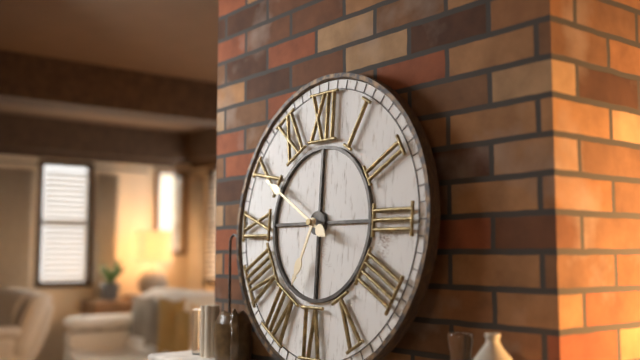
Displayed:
6:50
